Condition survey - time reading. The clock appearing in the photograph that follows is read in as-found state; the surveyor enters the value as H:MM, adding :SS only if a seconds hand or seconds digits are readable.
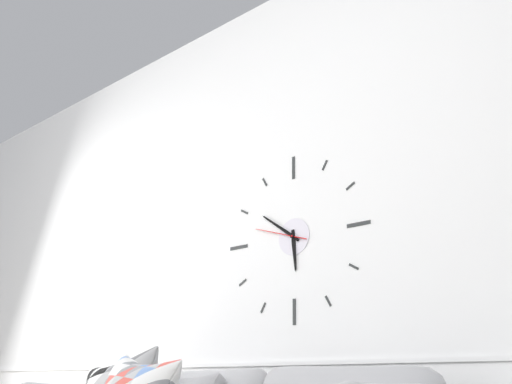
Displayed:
5:51
